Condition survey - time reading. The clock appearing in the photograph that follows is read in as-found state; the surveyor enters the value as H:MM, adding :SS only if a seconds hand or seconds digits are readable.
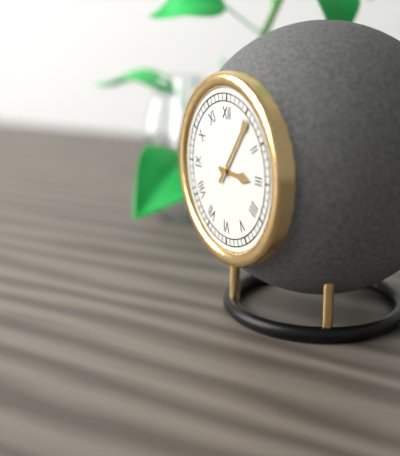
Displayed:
3:06
